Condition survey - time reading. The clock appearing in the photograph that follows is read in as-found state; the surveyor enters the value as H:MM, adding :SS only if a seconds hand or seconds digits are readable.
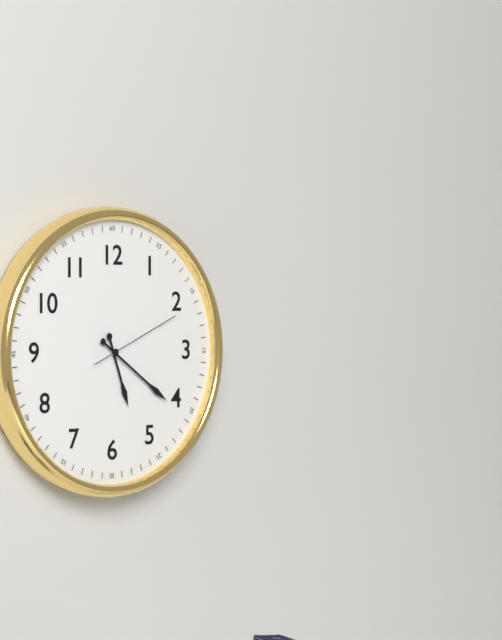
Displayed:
5:21:11
